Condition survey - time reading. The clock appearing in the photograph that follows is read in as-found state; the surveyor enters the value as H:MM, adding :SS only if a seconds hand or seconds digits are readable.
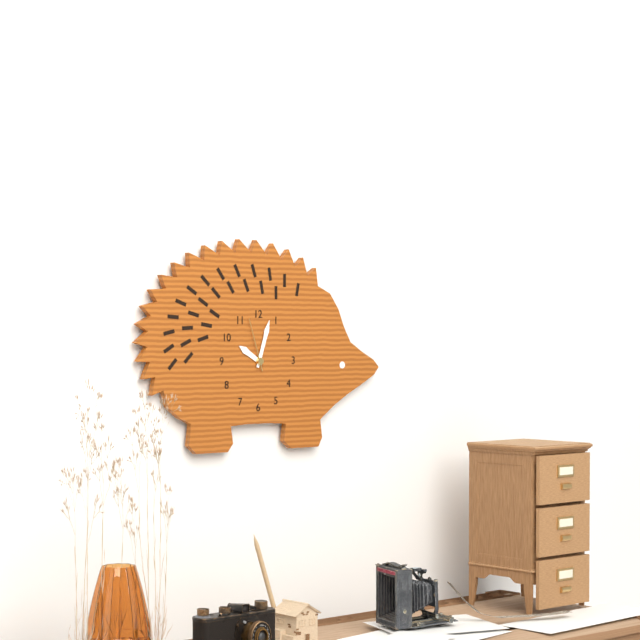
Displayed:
10:03:57
